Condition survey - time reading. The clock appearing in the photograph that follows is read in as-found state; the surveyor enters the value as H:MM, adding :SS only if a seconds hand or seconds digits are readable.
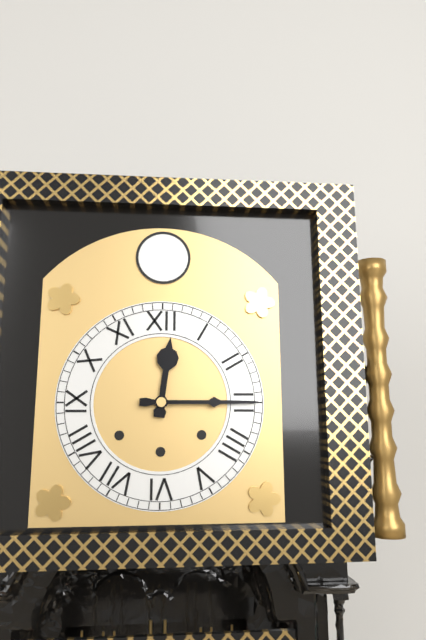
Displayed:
12:15
